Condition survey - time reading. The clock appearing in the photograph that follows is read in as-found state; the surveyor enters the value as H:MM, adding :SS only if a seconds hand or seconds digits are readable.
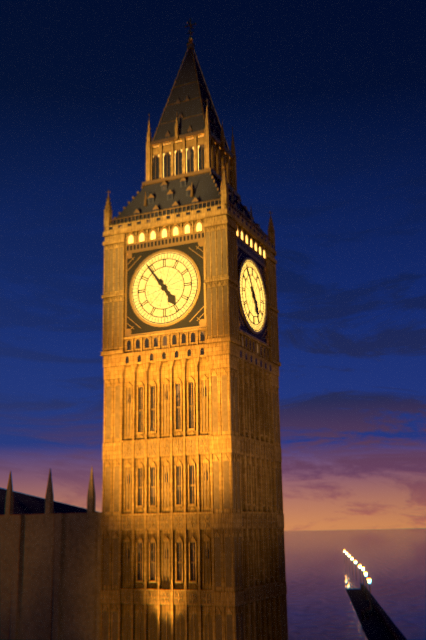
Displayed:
4:54
